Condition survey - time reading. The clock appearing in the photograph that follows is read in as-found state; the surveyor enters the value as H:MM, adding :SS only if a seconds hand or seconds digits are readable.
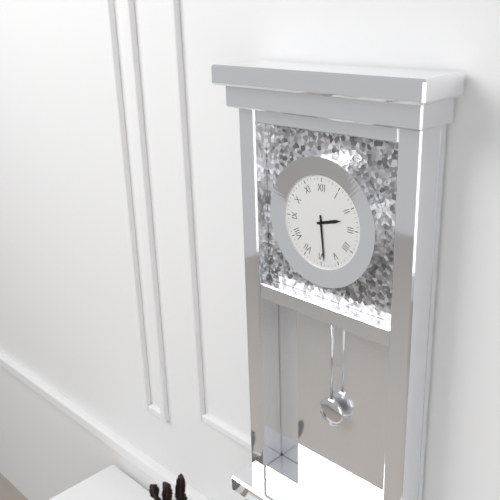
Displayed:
2:29
